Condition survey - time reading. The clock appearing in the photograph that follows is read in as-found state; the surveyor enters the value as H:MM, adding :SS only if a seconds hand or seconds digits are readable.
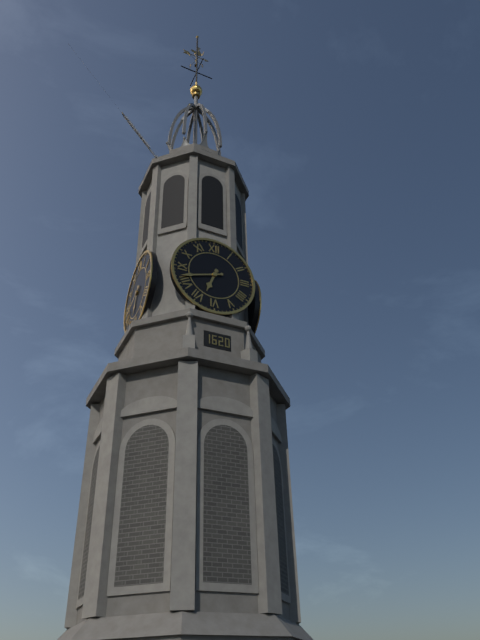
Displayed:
6:42
